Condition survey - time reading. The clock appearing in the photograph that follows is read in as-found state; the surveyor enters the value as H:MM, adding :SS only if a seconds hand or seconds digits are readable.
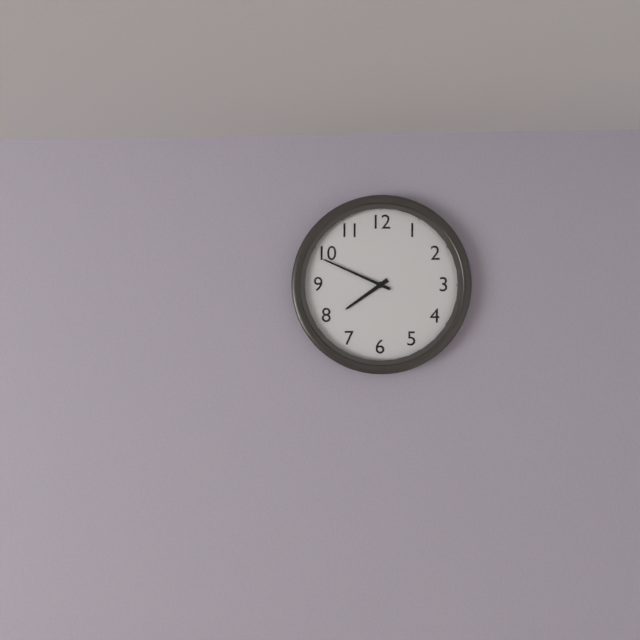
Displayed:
7:49
